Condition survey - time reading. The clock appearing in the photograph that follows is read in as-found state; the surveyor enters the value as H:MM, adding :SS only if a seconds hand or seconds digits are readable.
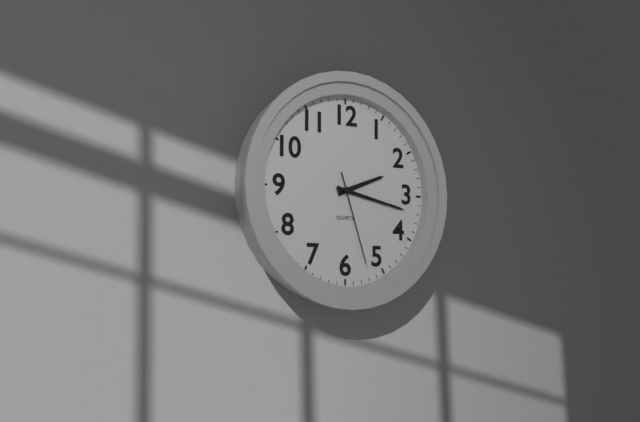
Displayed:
2:17:27
